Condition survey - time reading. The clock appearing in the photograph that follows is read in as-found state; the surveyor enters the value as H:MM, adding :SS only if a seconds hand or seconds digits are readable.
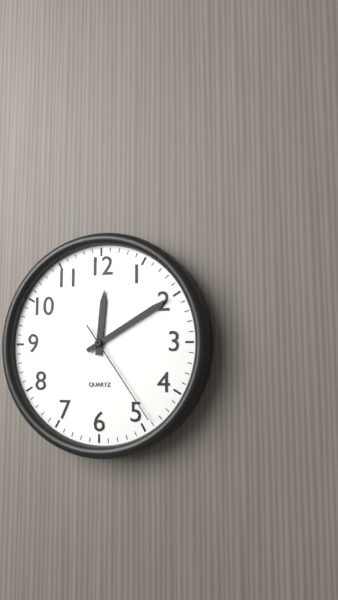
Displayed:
12:10:24
